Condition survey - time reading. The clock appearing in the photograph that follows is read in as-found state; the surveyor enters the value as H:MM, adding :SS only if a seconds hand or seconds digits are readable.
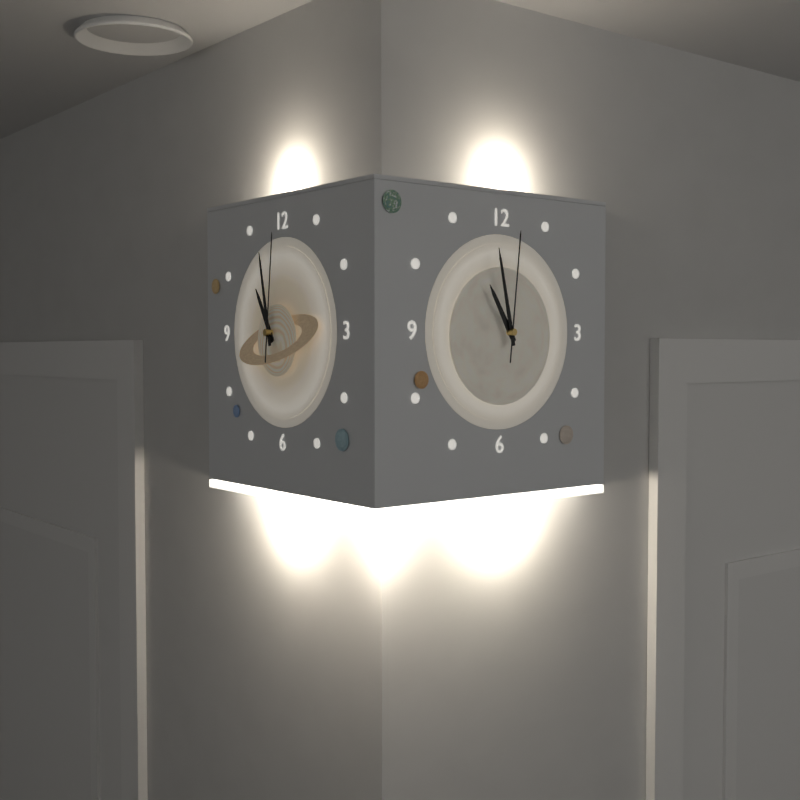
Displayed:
10:58:01
